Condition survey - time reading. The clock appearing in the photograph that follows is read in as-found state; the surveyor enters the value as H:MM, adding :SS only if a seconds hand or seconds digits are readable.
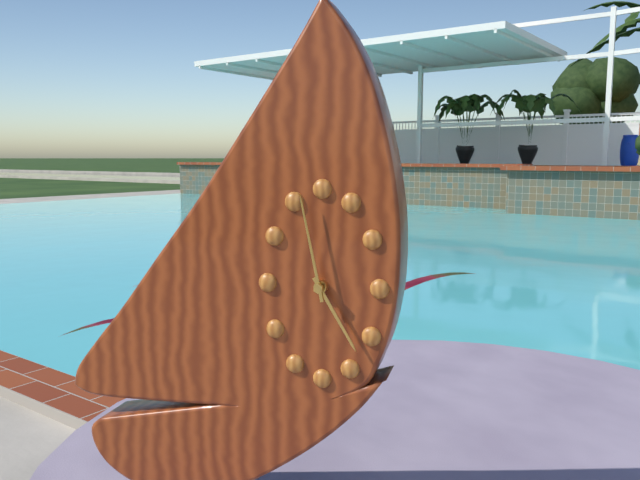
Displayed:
4:58
